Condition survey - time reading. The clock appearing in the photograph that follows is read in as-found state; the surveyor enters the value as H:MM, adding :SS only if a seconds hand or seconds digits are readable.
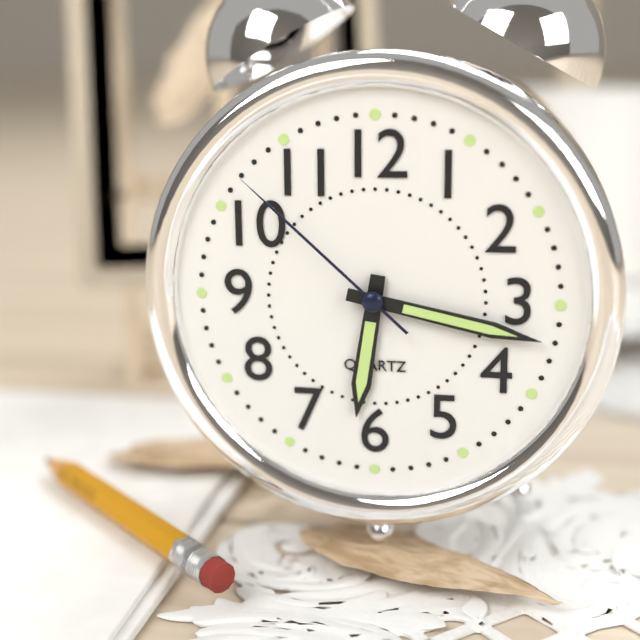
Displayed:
6:17:52
